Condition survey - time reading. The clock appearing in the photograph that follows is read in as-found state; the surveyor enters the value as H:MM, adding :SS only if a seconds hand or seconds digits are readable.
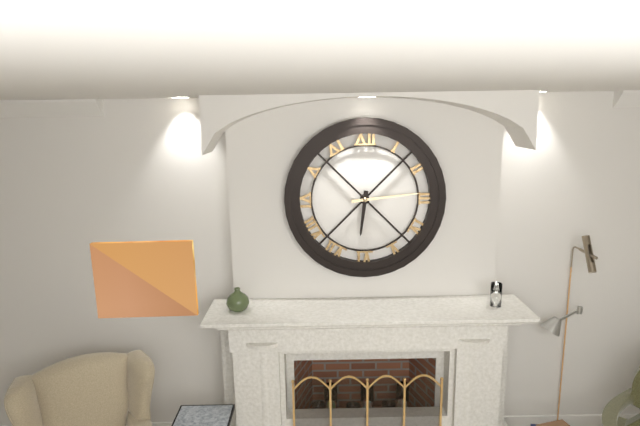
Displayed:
6:14
